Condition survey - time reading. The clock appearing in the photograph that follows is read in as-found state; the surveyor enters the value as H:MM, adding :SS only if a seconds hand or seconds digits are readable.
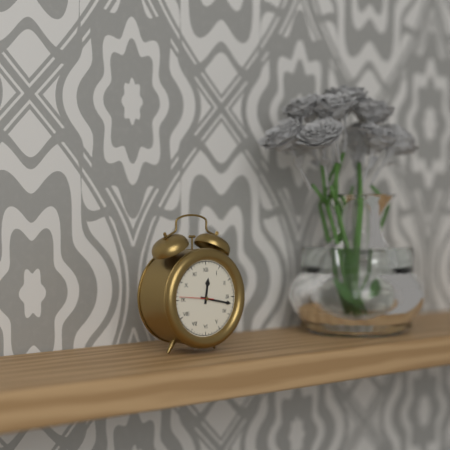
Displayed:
12:17
